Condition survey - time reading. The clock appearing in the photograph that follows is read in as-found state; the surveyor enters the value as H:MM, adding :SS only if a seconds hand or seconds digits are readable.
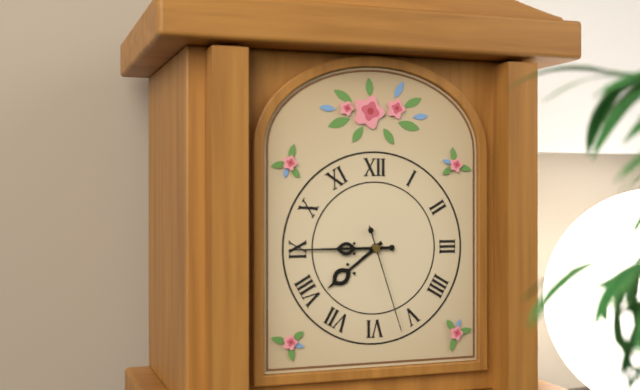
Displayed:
7:45:27
